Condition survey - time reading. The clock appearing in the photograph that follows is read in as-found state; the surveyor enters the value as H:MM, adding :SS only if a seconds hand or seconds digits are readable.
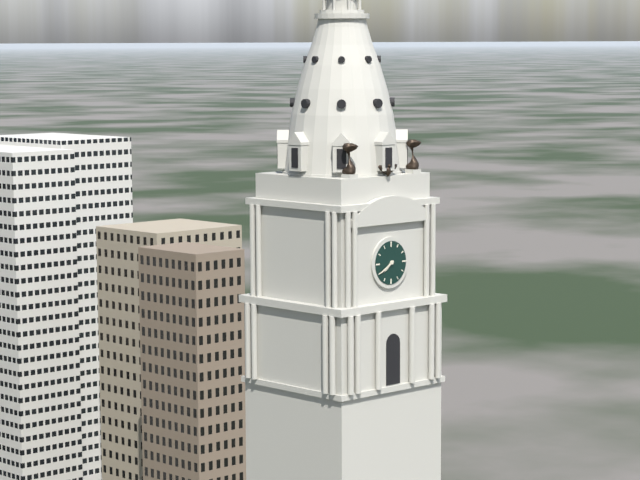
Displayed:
7:40
